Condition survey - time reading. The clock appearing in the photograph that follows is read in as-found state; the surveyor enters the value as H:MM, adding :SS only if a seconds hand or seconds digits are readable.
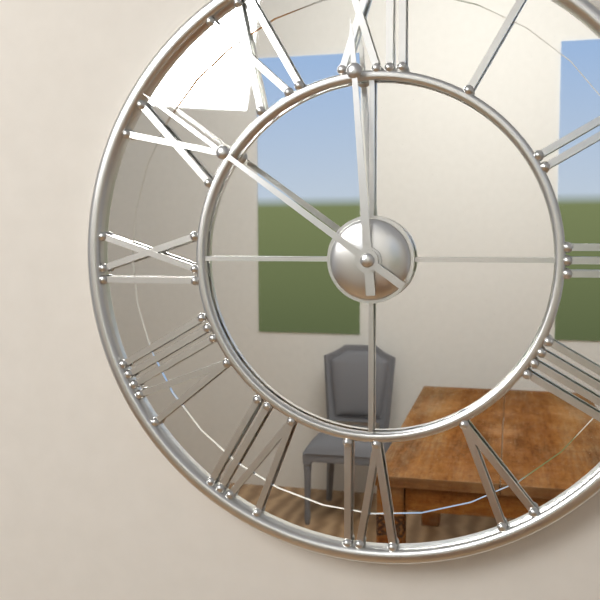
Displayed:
11:51
